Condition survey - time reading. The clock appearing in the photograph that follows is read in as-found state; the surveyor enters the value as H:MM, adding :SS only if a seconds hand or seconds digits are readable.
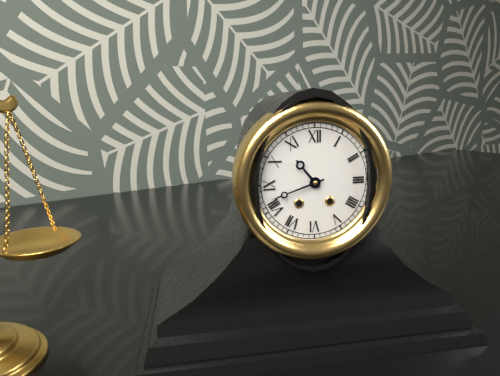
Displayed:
10:42
